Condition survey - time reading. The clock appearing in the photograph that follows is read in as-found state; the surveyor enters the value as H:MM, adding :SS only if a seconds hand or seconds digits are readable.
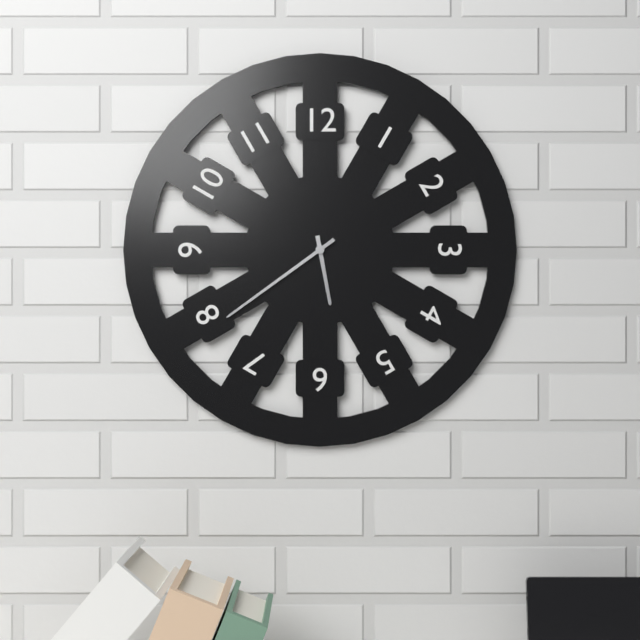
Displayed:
5:39
